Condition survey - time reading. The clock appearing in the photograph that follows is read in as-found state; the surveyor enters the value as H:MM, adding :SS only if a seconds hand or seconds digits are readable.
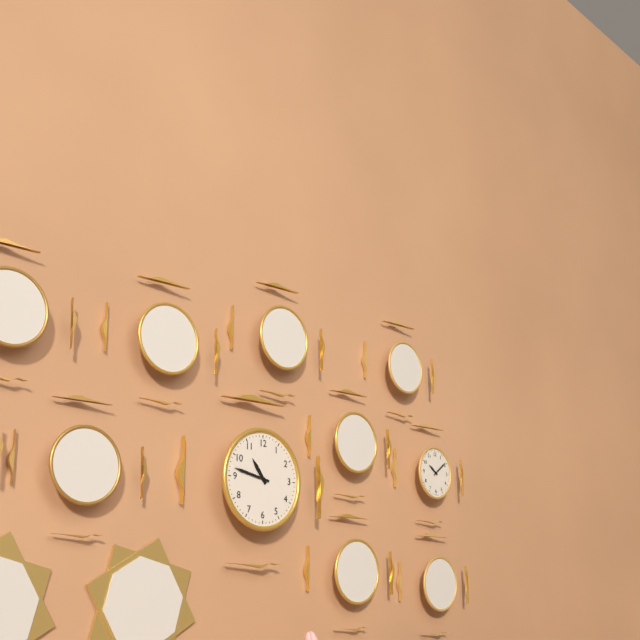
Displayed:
10:47
